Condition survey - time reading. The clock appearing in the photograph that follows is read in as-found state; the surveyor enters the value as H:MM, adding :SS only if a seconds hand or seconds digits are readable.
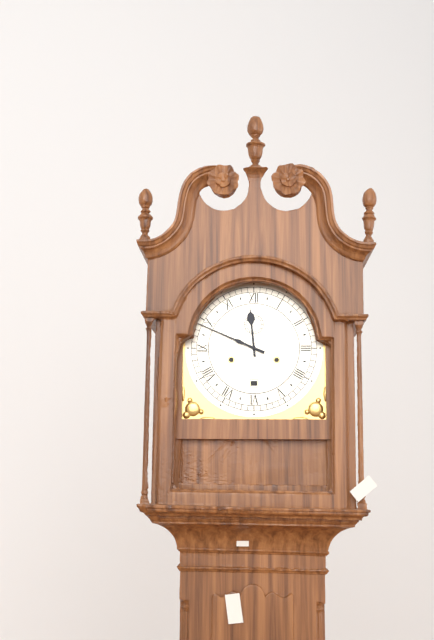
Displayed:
11:49
